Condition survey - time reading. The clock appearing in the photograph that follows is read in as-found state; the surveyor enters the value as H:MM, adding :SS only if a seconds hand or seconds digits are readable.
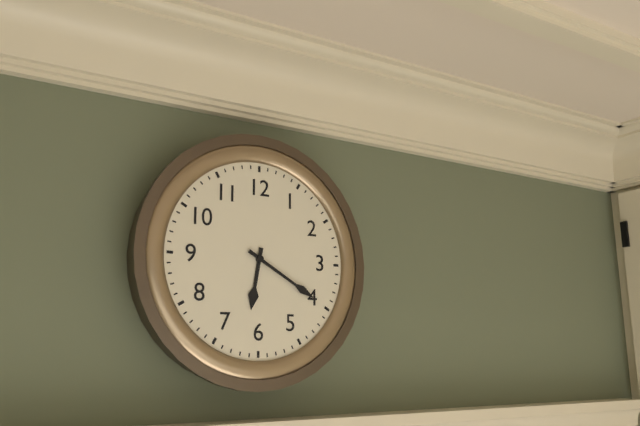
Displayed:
6:20
